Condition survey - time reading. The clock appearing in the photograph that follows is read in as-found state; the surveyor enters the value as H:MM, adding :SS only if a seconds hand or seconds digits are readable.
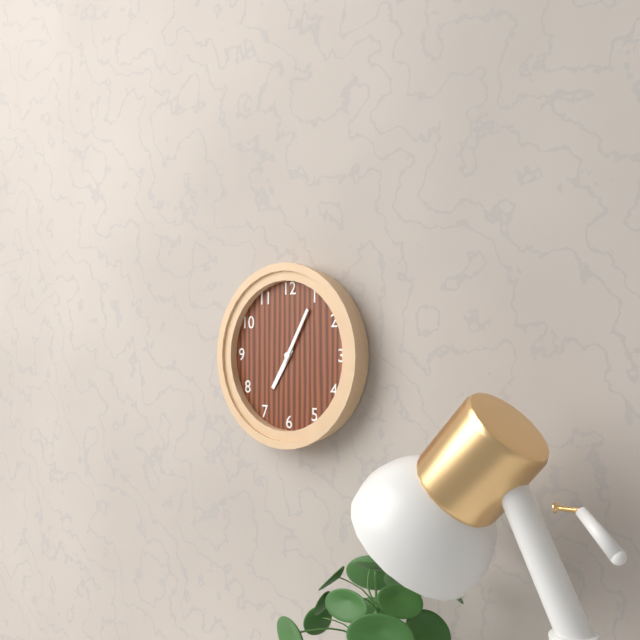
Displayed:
7:05
